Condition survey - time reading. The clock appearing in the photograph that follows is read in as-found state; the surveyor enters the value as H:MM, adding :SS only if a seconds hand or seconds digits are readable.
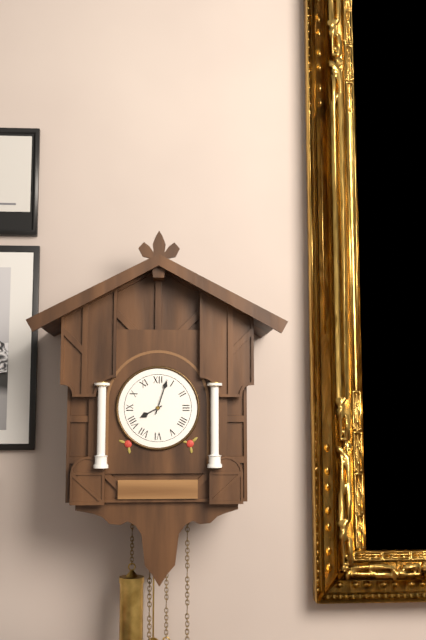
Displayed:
8:03
